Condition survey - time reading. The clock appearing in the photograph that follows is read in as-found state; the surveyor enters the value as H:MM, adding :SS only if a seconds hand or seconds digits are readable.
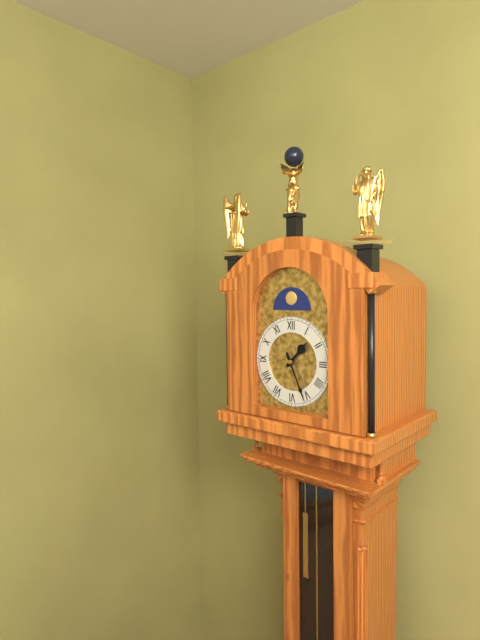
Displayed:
1:26
